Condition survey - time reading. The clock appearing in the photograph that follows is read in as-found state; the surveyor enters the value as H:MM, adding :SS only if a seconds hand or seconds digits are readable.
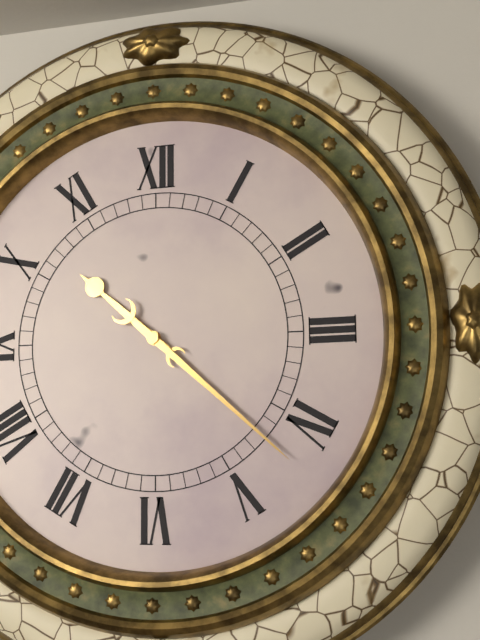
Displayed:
10:22
